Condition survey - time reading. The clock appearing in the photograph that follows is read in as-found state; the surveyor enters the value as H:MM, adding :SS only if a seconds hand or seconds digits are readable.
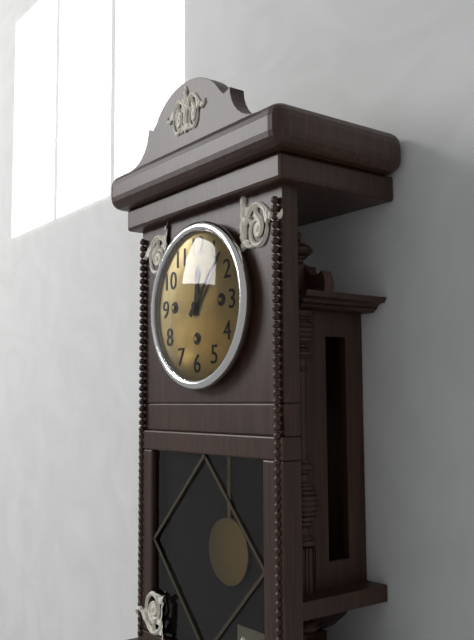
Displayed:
12:07
